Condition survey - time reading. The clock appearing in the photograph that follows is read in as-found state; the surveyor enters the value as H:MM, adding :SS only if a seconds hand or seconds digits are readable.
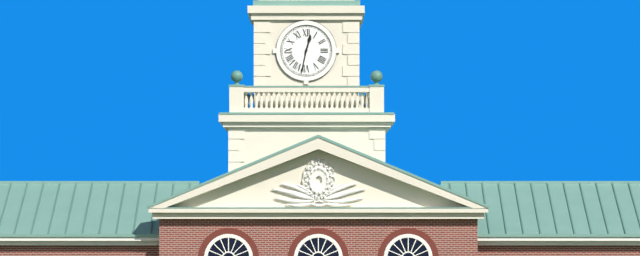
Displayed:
12:32
